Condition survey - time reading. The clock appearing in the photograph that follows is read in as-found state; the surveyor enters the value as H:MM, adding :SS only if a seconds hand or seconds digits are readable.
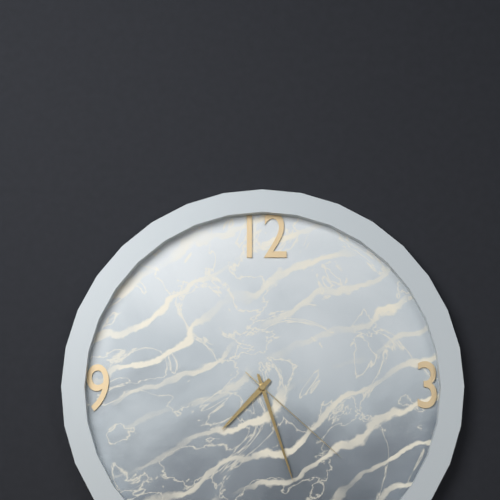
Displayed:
7:27:22
